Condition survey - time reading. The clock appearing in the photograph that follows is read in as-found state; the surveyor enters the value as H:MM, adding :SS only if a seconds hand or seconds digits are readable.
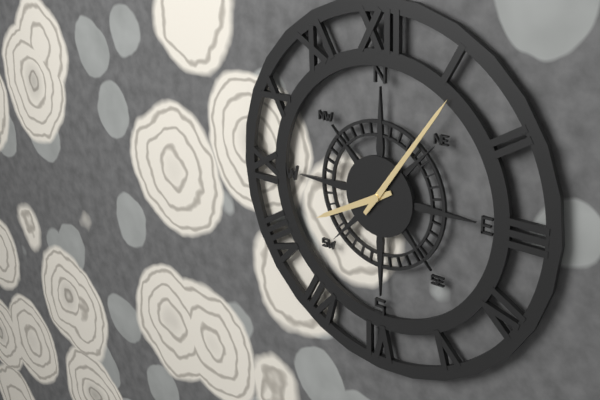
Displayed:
8:06
